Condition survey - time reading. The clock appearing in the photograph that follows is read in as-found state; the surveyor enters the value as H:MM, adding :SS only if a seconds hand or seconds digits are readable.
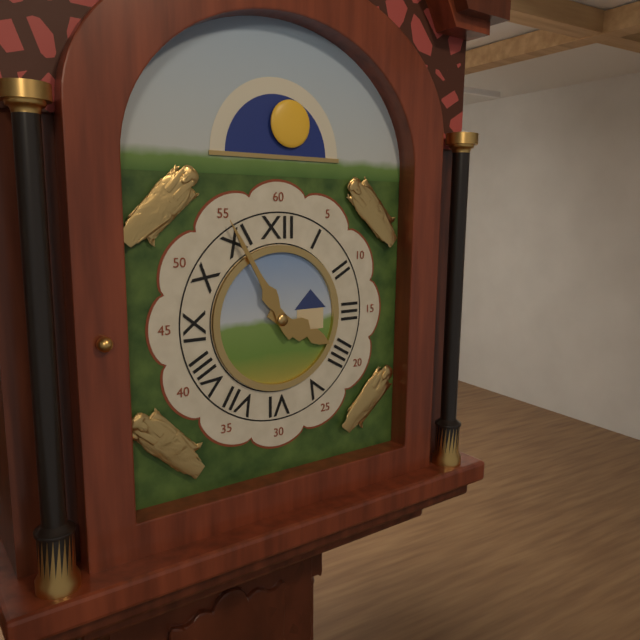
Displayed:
3:55
